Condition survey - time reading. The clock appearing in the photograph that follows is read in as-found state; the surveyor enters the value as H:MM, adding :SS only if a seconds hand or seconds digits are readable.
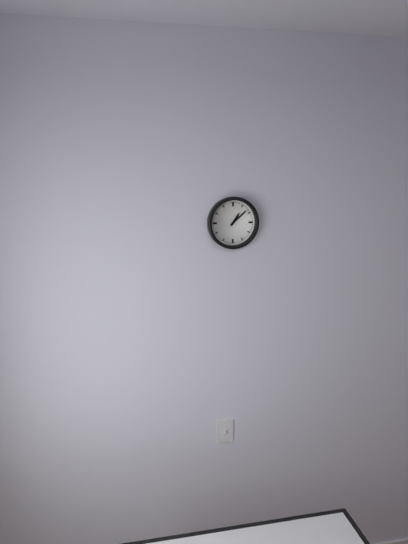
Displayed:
1:08
